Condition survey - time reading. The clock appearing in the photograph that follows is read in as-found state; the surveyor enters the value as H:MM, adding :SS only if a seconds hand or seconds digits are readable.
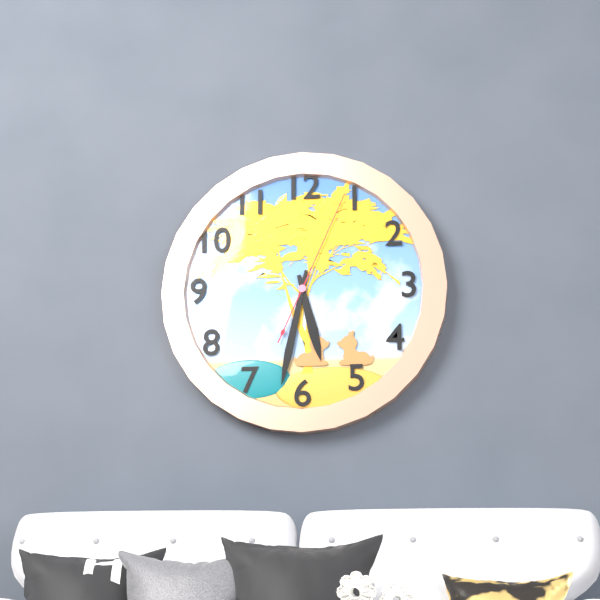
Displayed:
5:32:04
